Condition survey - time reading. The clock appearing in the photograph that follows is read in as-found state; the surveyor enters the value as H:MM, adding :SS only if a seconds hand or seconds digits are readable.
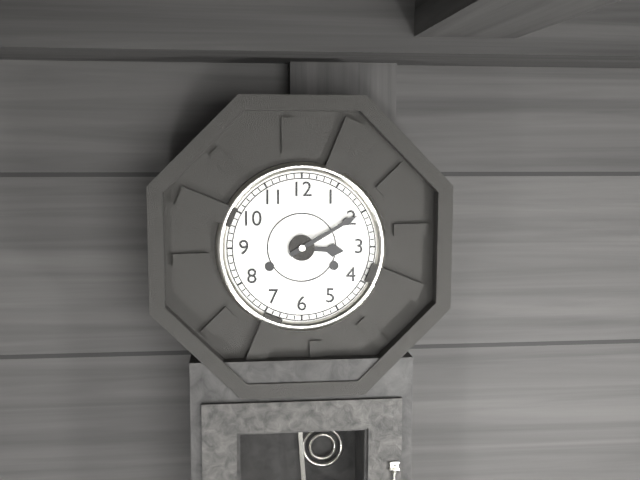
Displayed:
3:10
